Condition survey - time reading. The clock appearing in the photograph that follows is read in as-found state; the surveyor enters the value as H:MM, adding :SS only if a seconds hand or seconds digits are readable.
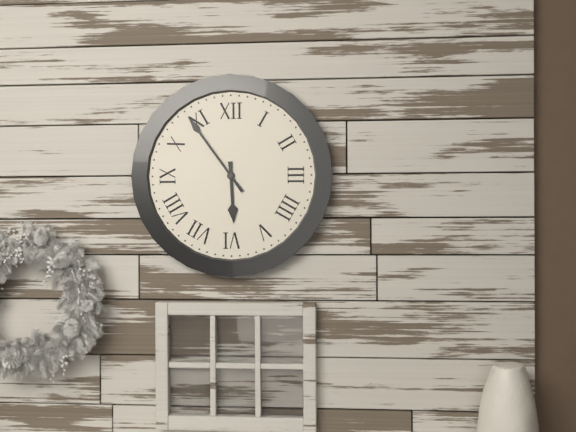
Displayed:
5:54
